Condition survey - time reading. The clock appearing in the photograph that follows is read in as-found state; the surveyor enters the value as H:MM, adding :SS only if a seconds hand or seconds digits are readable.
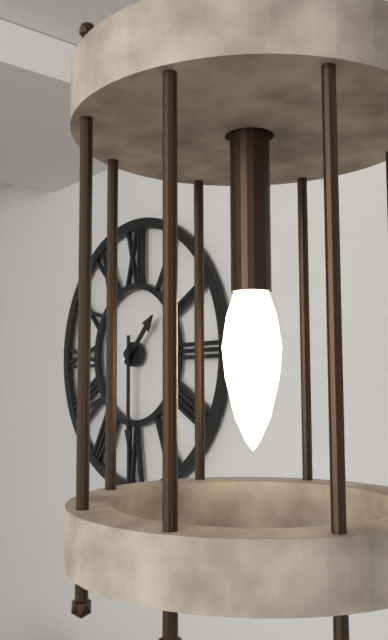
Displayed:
1:30
